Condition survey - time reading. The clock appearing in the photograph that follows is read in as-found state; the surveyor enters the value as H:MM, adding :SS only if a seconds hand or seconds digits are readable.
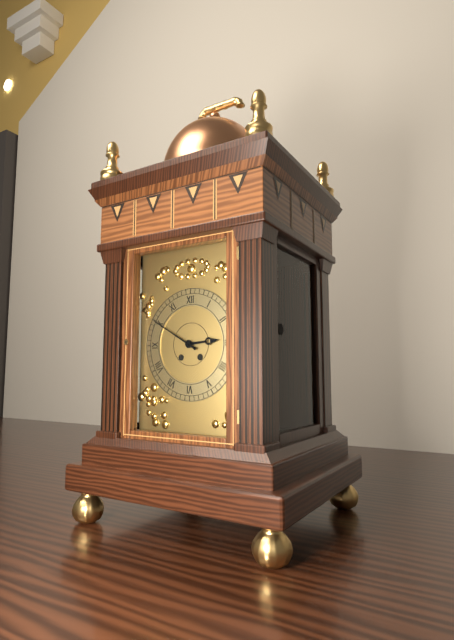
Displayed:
2:50
